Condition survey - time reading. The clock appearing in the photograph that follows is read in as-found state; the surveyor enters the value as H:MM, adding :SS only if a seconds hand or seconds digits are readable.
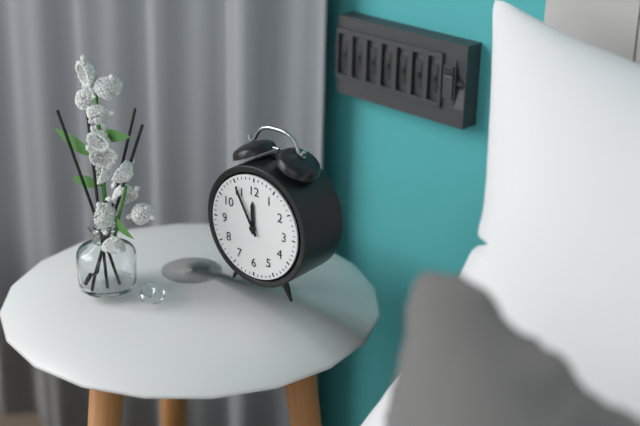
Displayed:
11:55
